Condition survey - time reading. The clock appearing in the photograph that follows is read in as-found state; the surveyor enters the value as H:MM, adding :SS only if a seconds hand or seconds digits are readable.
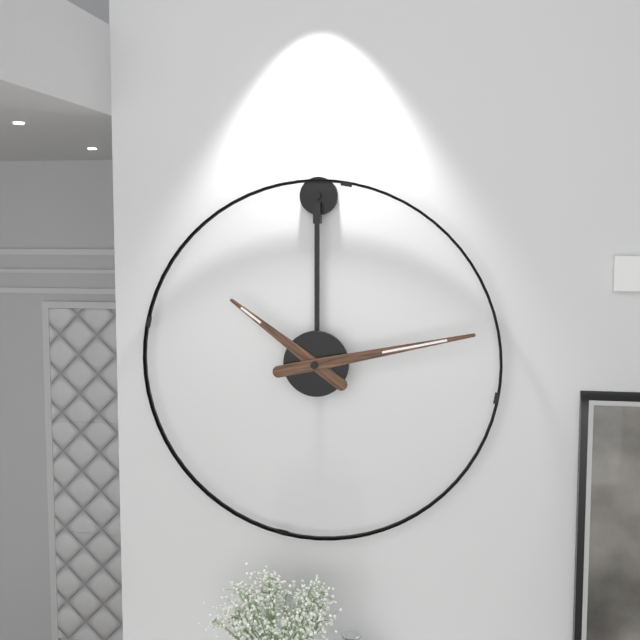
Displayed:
10:13
